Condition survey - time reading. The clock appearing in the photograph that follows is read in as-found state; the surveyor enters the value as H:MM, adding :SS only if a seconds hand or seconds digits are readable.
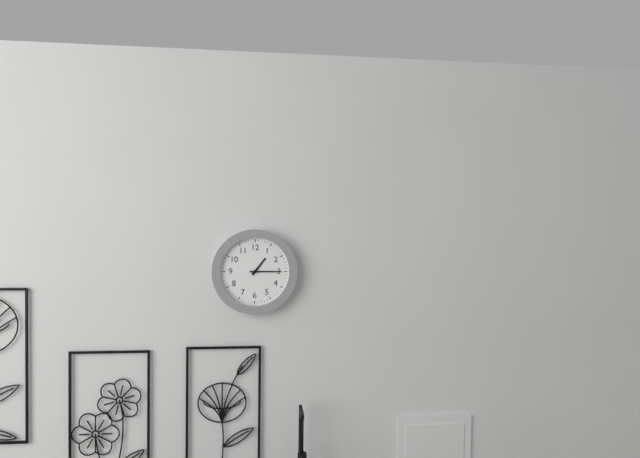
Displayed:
1:15
